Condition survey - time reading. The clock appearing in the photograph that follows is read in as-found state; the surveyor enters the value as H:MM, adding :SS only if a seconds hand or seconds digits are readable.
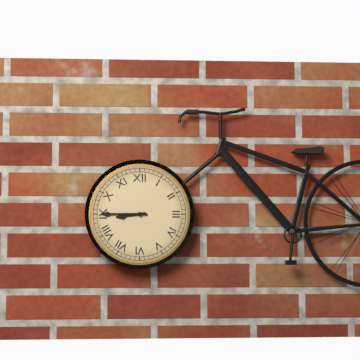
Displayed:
8:45
